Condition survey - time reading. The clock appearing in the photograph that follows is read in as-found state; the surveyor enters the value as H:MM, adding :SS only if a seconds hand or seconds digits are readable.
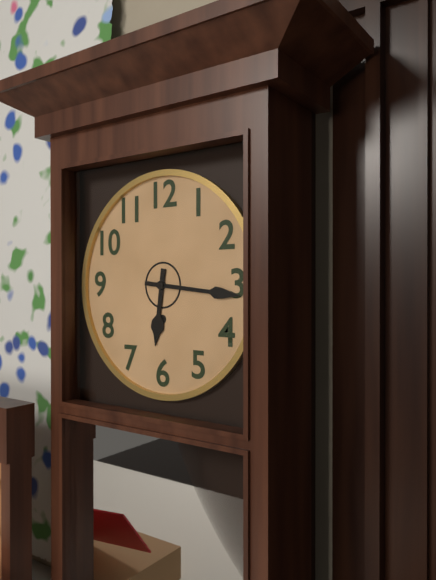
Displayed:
6:16
